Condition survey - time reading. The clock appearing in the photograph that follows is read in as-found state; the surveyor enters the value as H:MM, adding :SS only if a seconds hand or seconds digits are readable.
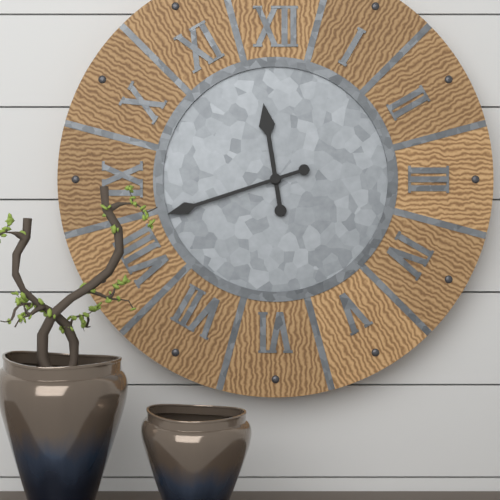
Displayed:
11:42
